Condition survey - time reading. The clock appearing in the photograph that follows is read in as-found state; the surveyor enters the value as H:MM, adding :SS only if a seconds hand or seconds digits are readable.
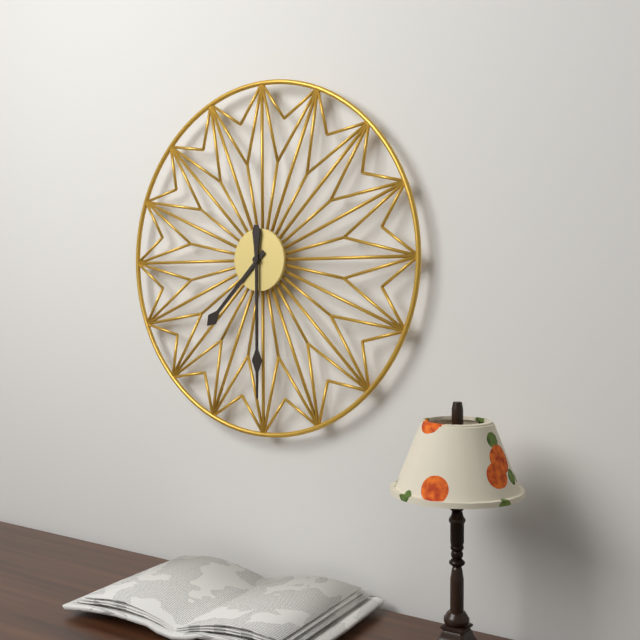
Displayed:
7:30
